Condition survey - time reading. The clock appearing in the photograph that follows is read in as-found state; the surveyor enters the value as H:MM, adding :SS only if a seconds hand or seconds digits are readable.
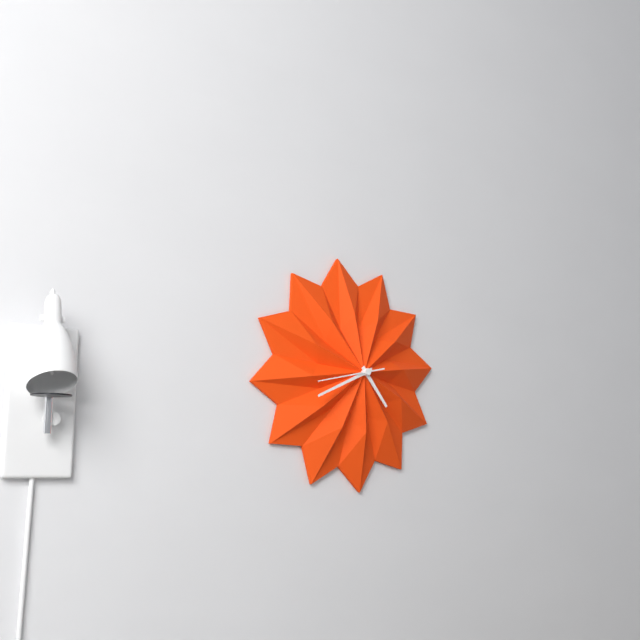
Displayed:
4:41:43
